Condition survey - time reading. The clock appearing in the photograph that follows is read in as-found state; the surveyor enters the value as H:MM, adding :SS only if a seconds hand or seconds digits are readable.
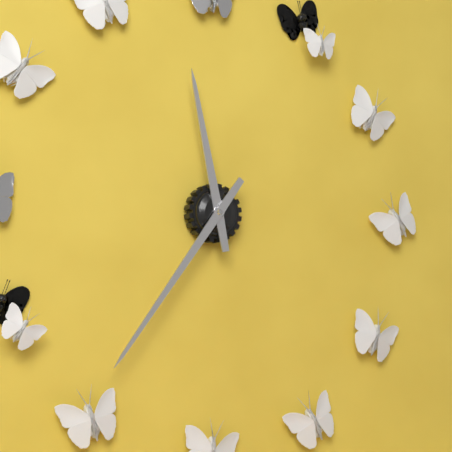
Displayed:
11:36
